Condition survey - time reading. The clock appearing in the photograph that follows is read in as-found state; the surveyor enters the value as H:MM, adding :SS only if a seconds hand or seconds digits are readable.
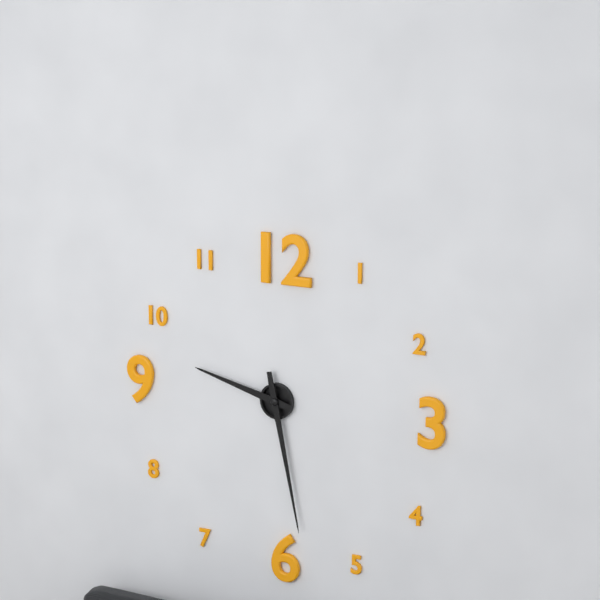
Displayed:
9:28
